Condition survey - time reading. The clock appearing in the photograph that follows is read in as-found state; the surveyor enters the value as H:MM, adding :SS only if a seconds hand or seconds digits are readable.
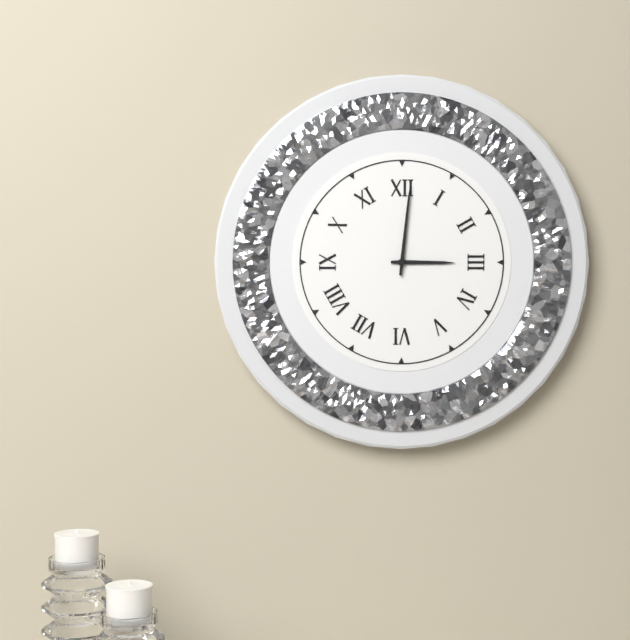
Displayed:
3:01
